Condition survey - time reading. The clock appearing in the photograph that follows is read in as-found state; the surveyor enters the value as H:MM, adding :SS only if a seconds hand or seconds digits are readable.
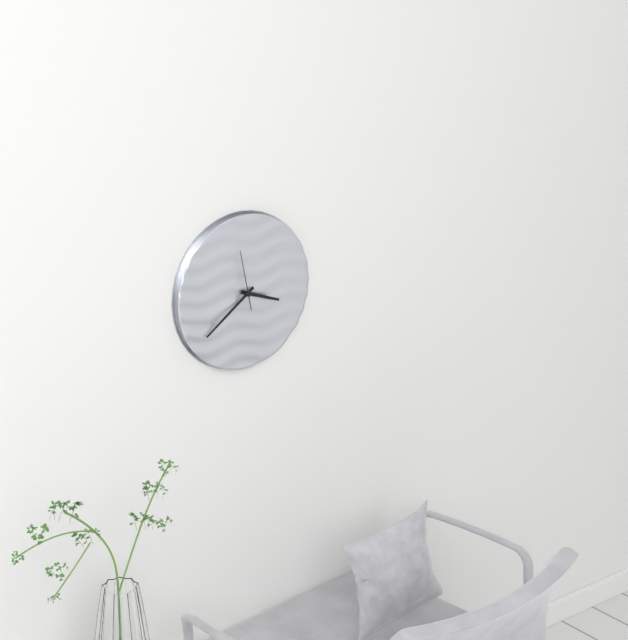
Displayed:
3:39:58
